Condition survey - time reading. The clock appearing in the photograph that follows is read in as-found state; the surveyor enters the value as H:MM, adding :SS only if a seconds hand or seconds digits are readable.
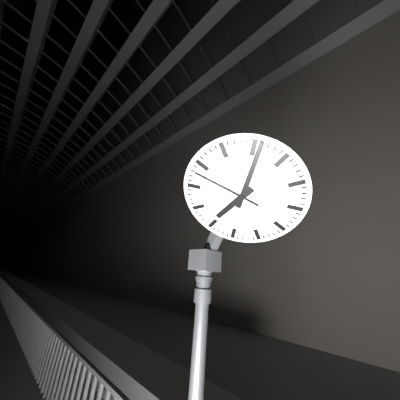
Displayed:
8:06:53
